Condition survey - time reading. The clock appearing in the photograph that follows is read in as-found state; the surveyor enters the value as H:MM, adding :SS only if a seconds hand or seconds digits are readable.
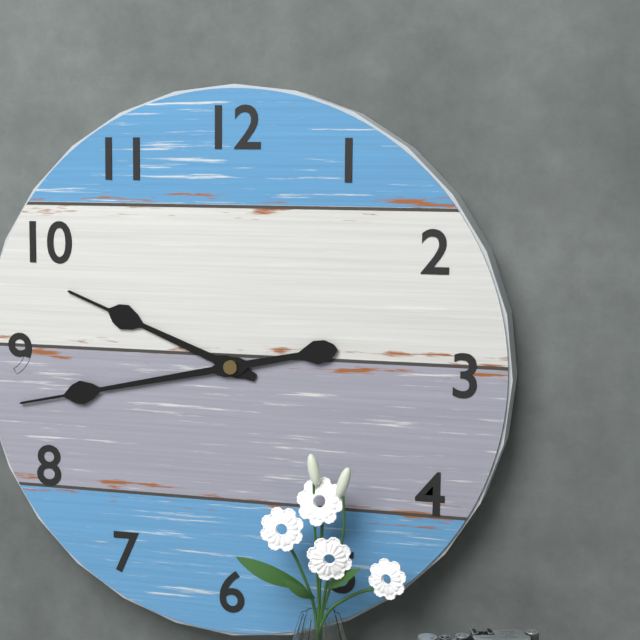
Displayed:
9:43
